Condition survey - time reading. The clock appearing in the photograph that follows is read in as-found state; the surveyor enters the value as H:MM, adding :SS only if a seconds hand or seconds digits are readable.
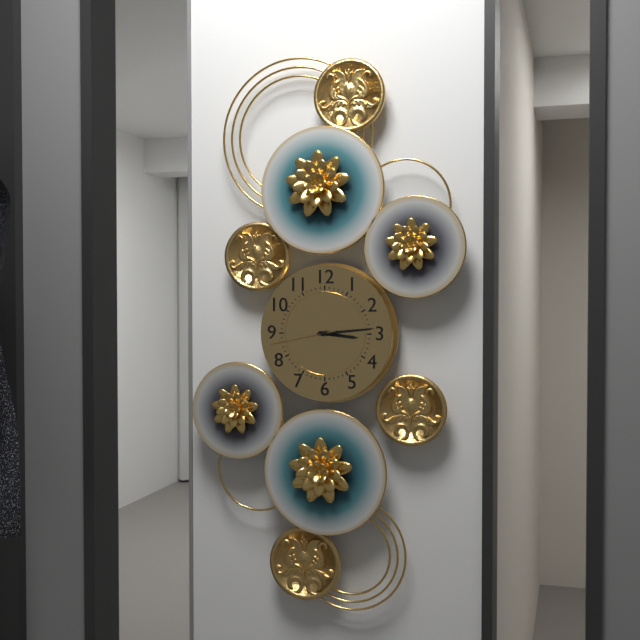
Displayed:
3:14:43
